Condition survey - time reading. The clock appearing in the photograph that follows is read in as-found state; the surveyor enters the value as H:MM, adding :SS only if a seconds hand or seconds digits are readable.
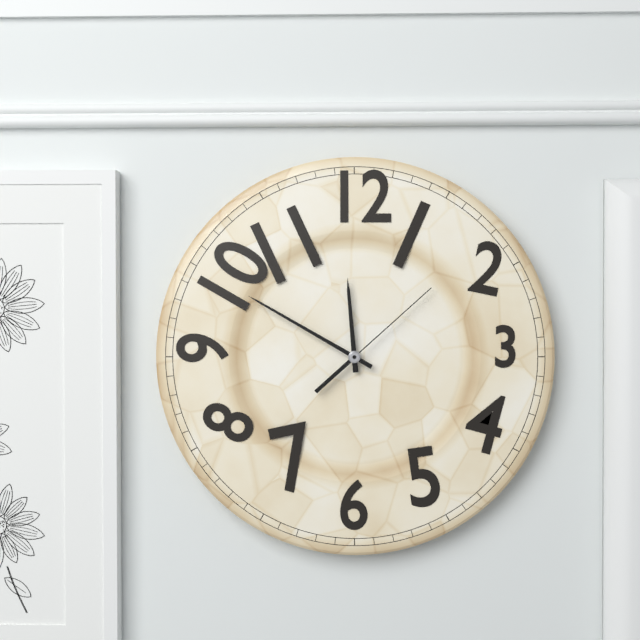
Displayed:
11:50:08
